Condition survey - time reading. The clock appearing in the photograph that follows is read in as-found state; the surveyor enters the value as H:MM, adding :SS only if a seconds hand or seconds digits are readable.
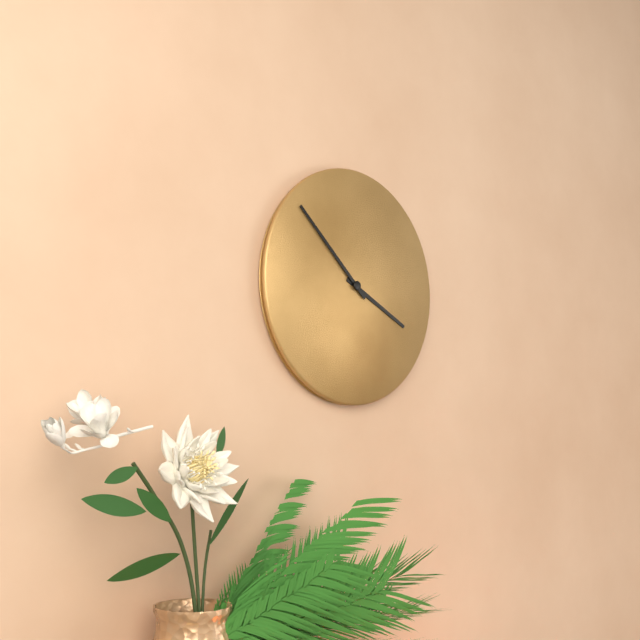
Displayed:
3:52
